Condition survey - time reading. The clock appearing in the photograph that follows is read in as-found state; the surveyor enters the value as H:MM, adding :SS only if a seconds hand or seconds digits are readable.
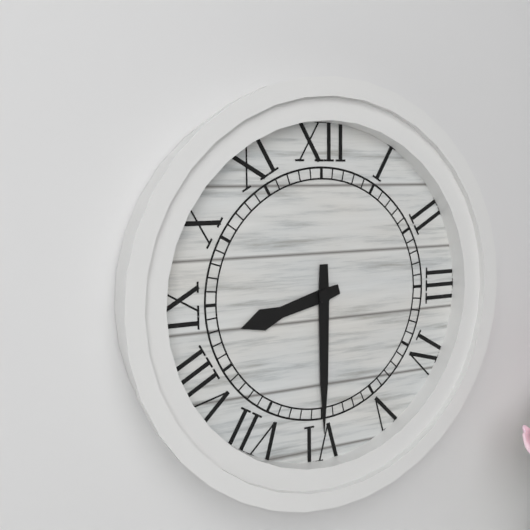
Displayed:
8:30
